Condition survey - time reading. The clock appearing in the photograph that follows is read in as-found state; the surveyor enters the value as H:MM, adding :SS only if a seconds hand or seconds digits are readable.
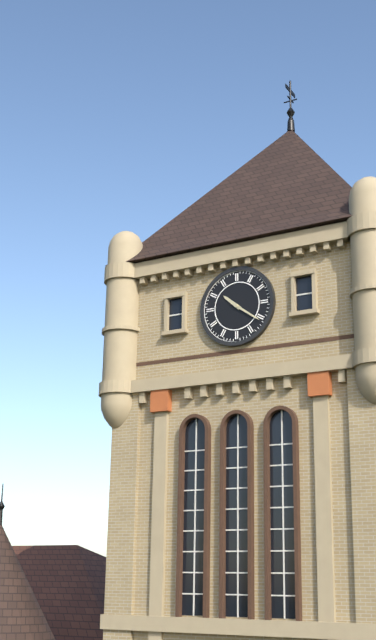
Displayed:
10:21
